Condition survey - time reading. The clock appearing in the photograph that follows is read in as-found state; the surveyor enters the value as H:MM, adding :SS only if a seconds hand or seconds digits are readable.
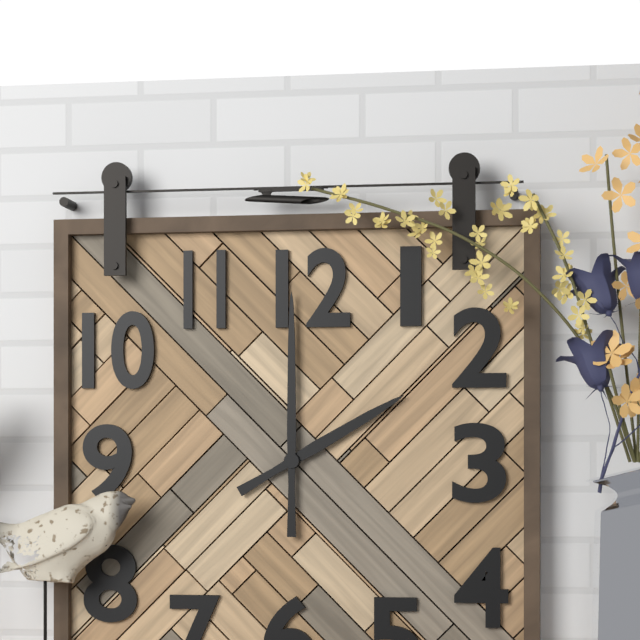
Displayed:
2:00
